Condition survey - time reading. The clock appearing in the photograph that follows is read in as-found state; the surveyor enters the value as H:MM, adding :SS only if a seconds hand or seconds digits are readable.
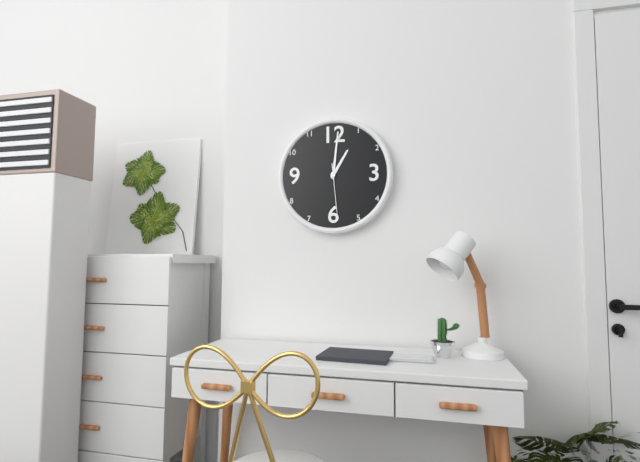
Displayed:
1:01:29
